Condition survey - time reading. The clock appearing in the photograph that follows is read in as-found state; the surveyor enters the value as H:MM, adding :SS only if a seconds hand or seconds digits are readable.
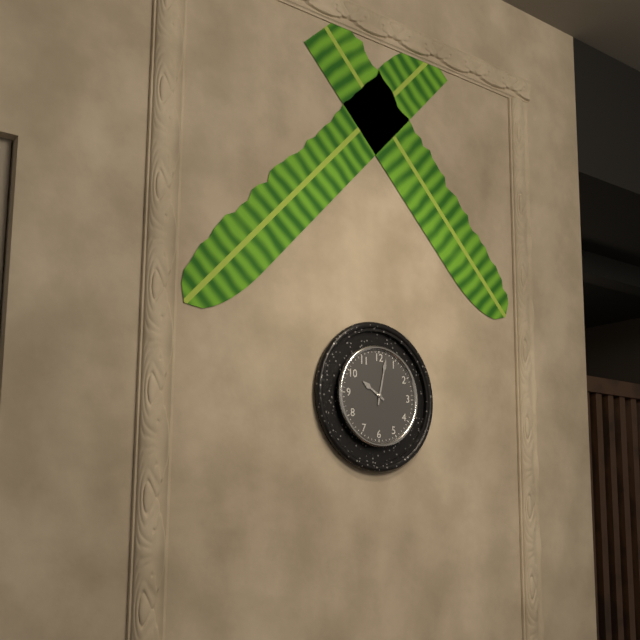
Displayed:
10:02
